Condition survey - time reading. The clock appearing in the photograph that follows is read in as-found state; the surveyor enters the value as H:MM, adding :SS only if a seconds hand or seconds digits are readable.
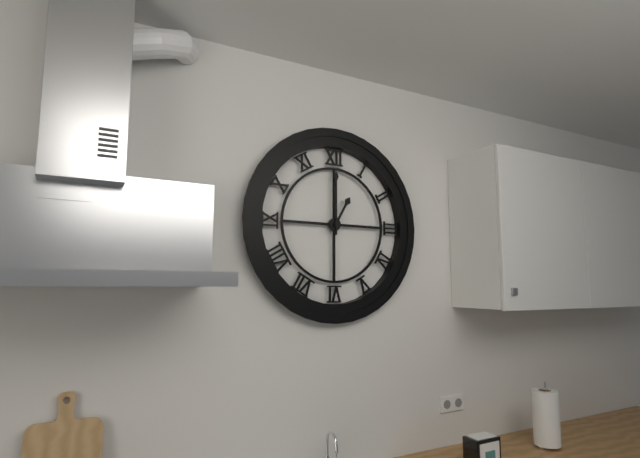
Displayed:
1:00
